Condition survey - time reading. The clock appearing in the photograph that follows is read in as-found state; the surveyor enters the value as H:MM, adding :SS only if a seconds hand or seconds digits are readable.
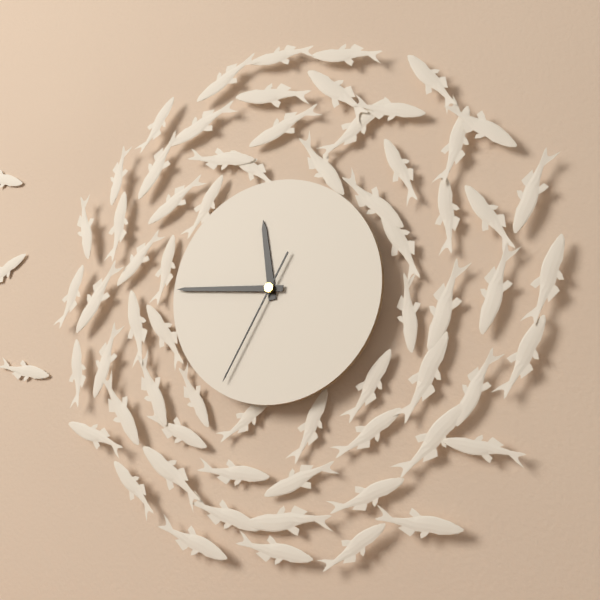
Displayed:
11:46:35
